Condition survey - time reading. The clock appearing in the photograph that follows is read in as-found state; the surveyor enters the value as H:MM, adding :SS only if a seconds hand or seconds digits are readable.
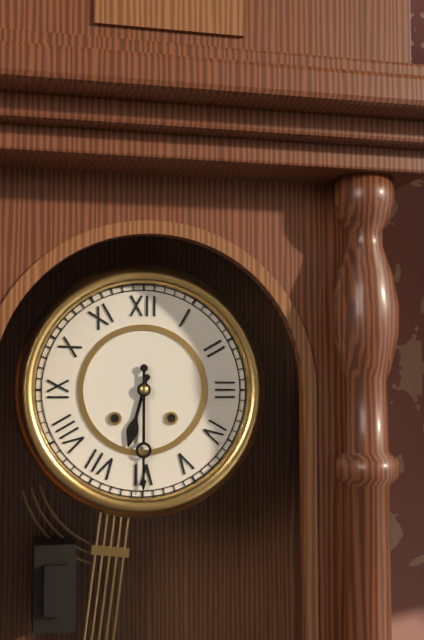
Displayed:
6:30
